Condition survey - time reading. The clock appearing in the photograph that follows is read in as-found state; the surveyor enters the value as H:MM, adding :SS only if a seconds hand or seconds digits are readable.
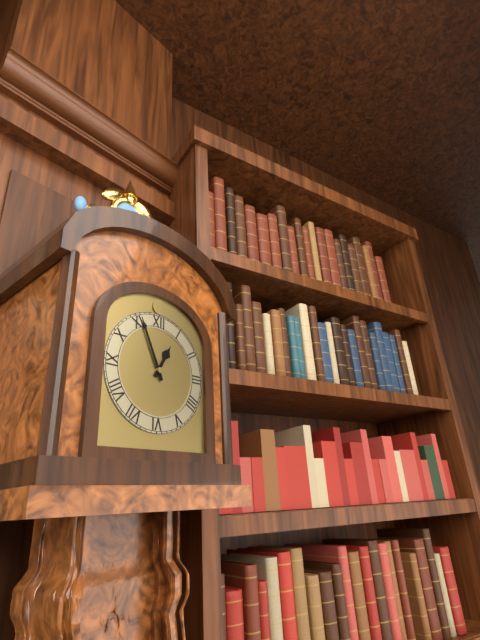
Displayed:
12:56
